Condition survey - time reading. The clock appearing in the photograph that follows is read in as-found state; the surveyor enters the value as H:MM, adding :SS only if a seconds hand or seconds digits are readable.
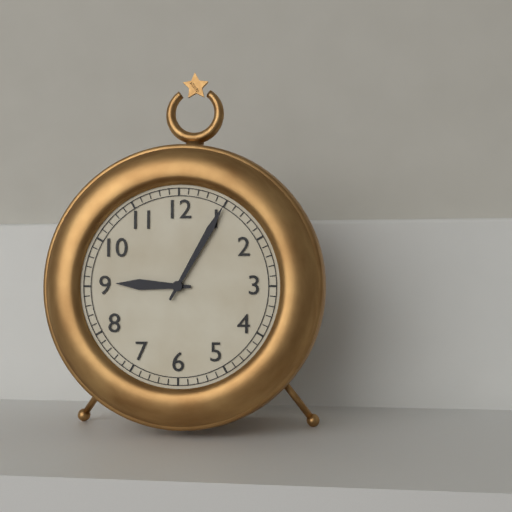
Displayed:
9:05
